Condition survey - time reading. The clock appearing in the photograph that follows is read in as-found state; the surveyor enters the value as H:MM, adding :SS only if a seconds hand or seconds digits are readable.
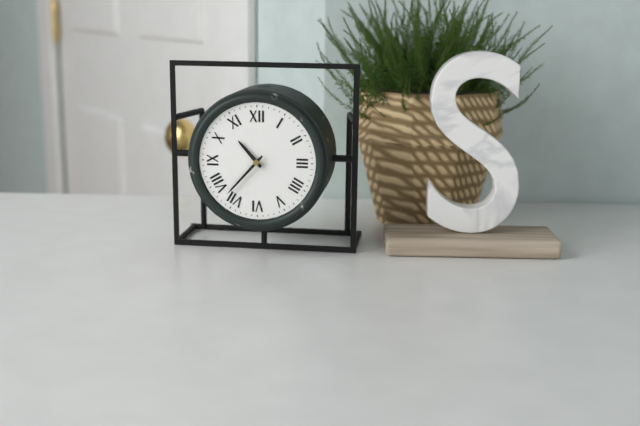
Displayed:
10:37
